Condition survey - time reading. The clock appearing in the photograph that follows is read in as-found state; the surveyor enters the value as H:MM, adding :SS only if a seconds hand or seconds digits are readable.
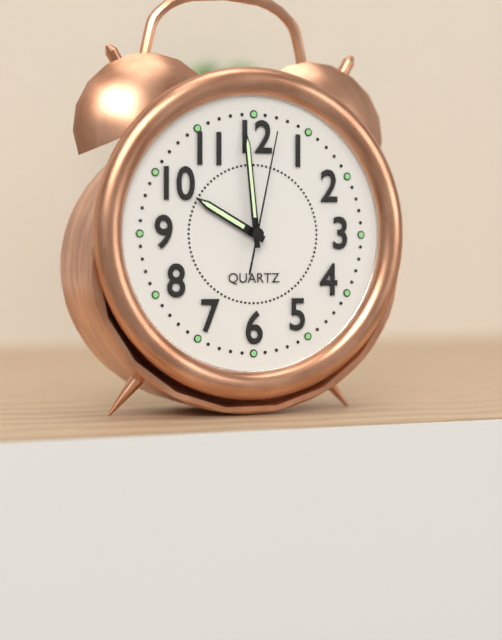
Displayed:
9:59:02
